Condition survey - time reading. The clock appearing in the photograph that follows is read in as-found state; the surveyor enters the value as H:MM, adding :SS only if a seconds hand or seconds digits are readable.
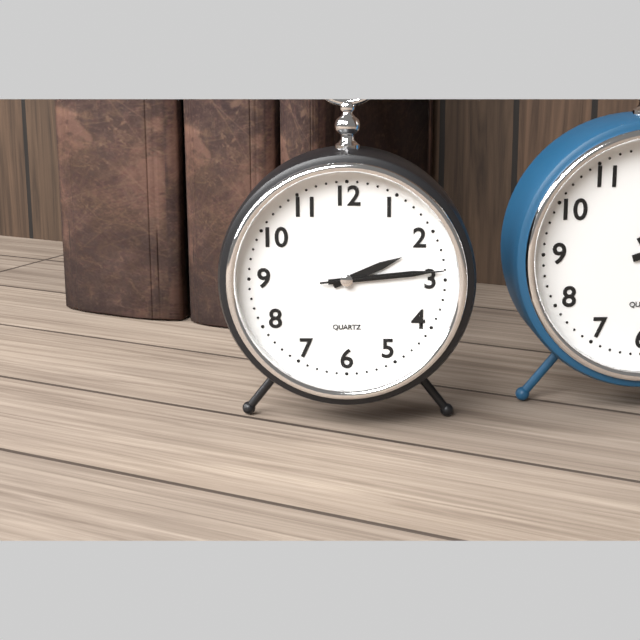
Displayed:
2:14:14
